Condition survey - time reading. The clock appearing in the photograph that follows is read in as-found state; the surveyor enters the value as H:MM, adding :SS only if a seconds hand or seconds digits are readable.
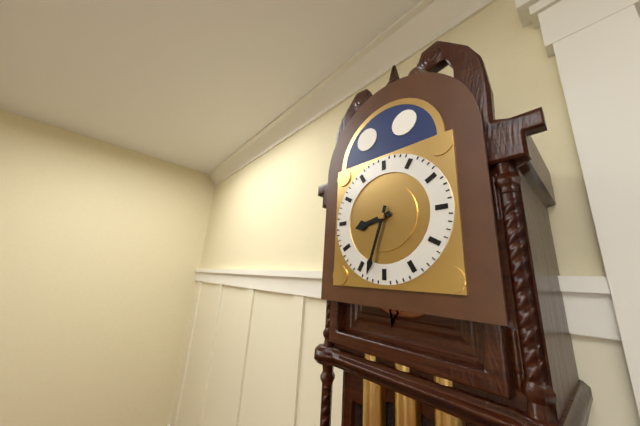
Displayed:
8:33
